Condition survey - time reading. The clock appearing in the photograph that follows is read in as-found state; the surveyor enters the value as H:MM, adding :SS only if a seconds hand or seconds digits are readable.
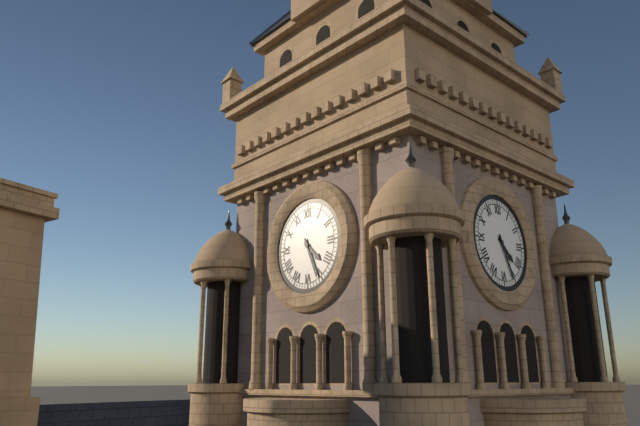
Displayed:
4:26
